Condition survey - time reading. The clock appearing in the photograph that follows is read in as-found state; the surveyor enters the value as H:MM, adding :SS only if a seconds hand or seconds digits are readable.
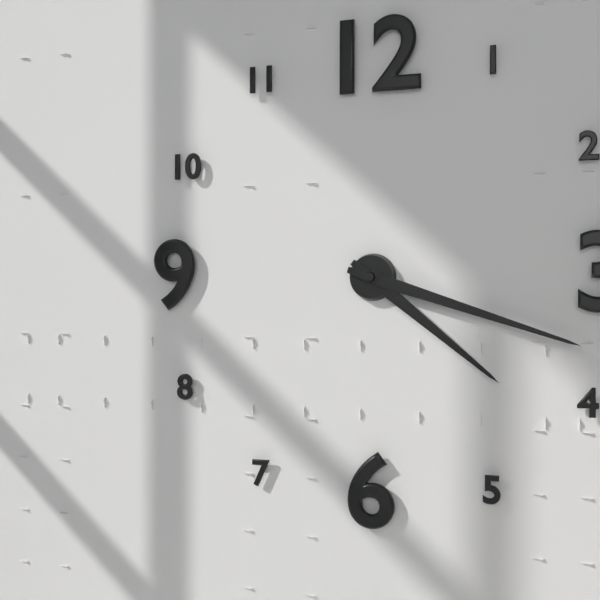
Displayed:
4:18
